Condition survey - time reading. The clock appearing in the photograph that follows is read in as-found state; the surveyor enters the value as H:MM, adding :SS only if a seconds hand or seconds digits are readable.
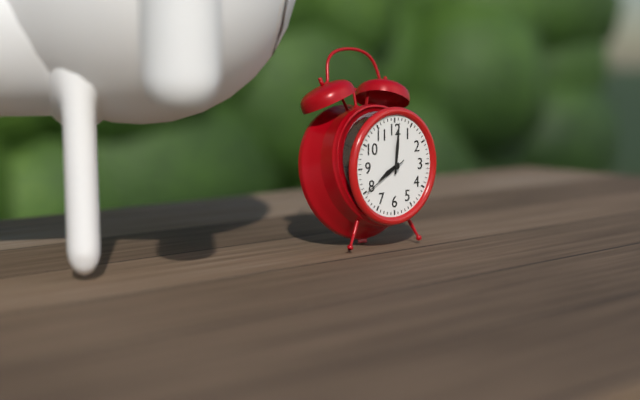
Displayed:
8:01
